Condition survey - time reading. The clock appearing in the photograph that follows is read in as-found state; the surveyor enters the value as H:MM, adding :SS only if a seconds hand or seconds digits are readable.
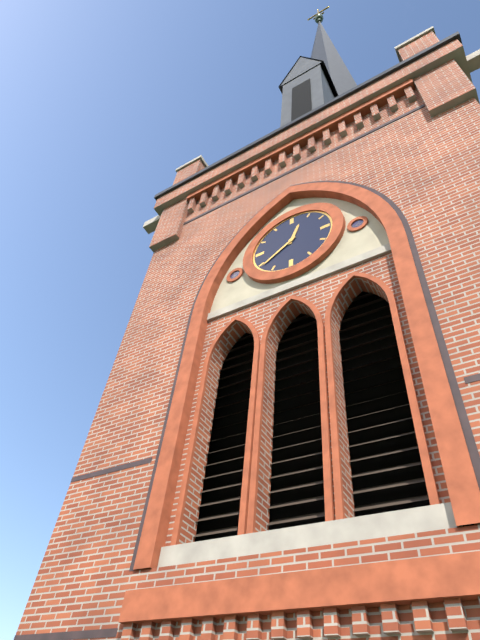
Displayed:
12:39
